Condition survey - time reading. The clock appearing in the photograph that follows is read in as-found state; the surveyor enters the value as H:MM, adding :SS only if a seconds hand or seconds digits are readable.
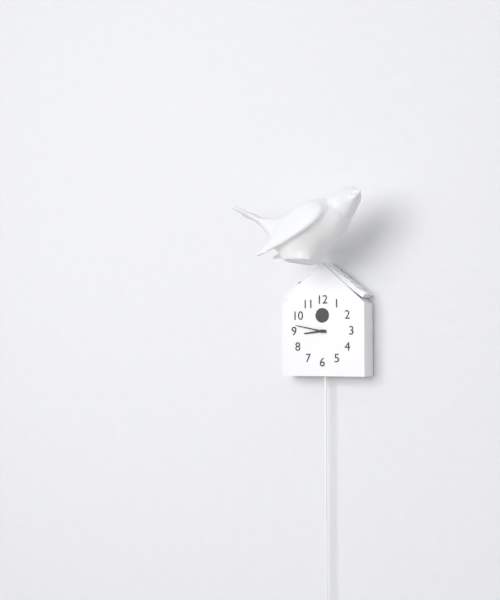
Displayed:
8:47
